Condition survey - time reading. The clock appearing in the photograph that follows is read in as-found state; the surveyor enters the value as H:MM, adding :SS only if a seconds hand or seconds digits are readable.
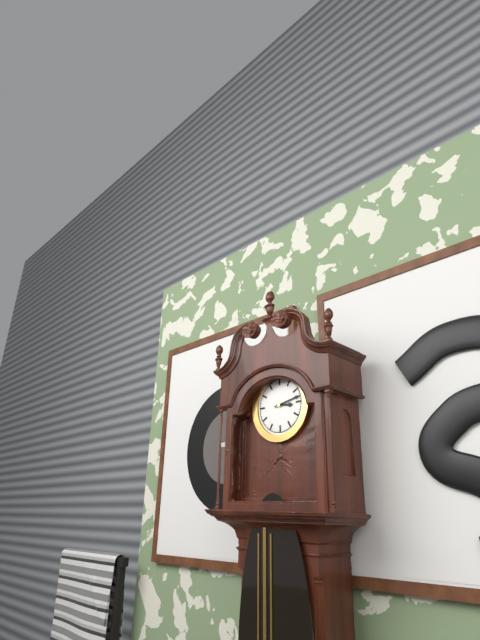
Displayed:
3:13
